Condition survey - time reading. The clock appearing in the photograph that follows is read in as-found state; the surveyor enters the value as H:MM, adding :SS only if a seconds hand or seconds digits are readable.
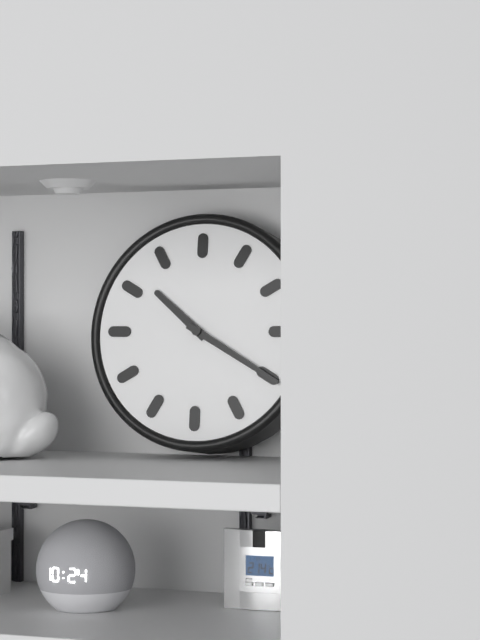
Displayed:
10:20
